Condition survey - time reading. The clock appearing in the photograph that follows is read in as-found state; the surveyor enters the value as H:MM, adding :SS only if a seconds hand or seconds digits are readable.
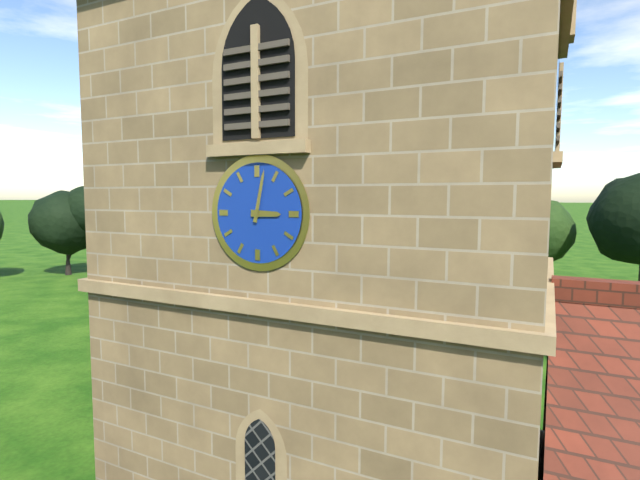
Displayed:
3:02
